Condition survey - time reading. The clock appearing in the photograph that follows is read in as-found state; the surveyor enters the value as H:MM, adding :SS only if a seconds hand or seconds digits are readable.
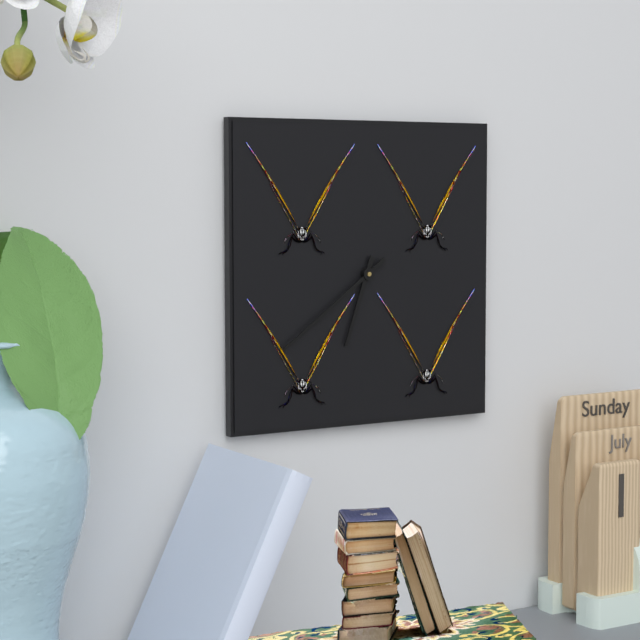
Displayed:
6:39
